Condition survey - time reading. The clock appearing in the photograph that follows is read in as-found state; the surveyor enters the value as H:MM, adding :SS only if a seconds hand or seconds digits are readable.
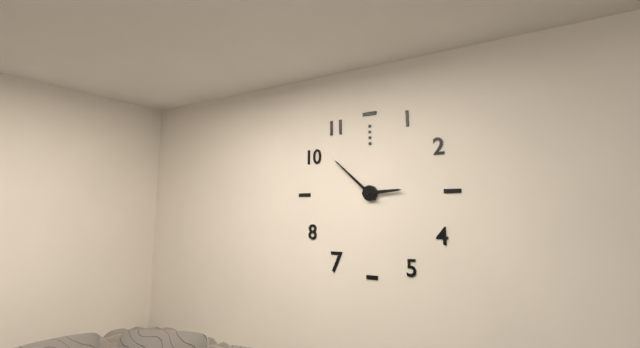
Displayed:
2:52
